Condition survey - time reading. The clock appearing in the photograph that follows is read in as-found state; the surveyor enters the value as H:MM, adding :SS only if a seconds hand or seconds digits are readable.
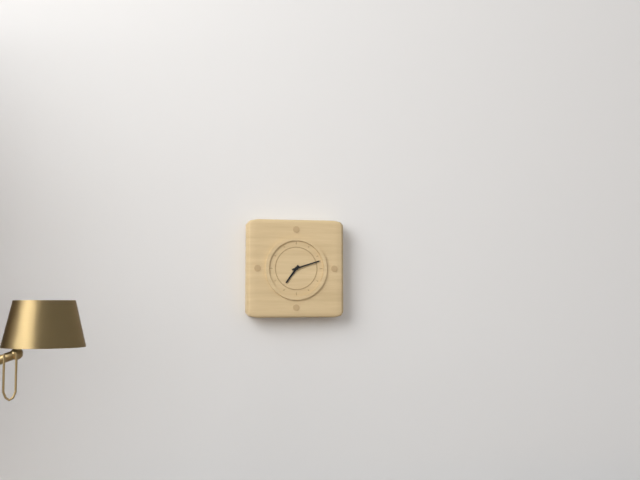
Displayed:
7:12
